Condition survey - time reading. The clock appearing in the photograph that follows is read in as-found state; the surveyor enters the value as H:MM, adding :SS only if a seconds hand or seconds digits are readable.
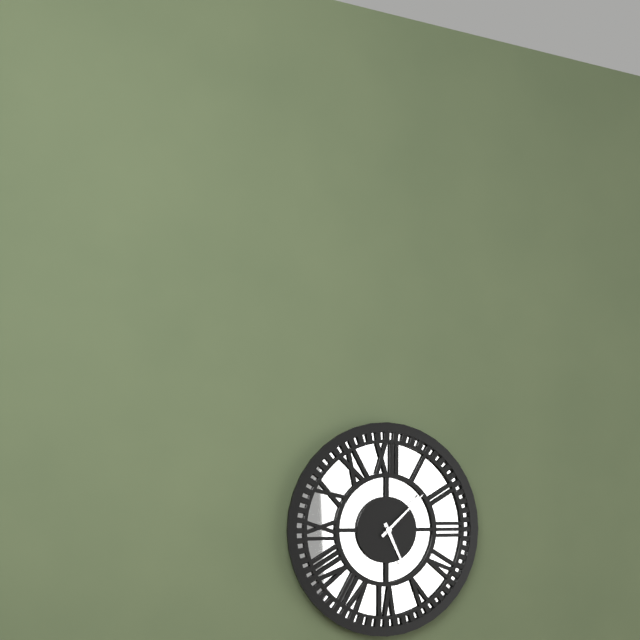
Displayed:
5:08
